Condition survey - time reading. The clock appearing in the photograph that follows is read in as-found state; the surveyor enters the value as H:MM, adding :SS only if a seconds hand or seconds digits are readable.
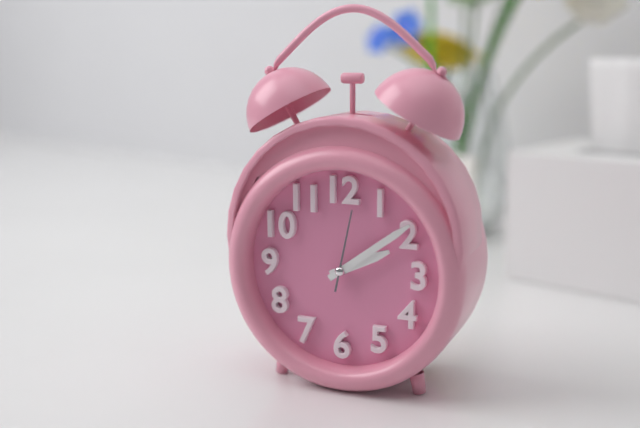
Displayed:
2:09:02
